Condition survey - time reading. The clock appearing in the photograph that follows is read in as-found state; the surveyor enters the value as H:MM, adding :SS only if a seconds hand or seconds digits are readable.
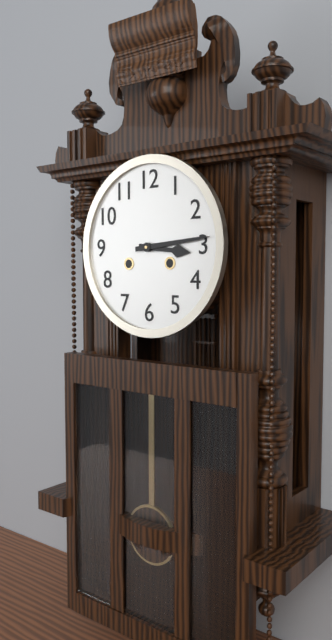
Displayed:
3:14
